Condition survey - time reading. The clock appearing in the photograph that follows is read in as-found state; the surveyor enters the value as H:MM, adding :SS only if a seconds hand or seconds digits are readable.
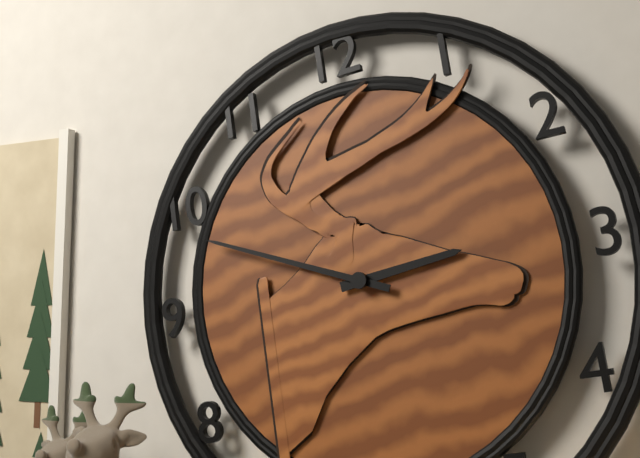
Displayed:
2:49
